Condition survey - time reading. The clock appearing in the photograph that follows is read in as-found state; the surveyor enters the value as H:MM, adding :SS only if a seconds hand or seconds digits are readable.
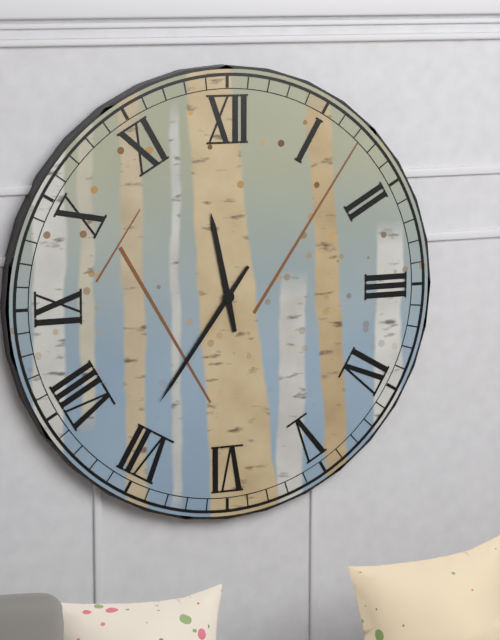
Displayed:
11:36
